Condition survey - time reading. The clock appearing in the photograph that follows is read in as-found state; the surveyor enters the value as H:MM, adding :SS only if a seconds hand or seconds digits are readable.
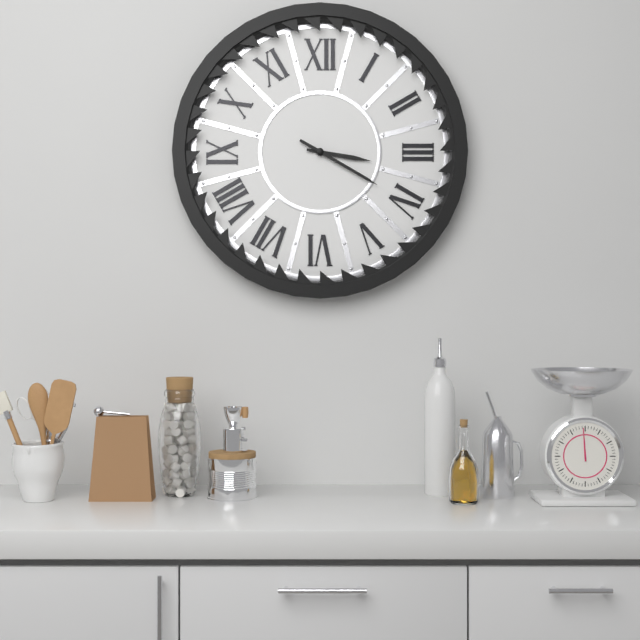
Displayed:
3:20
